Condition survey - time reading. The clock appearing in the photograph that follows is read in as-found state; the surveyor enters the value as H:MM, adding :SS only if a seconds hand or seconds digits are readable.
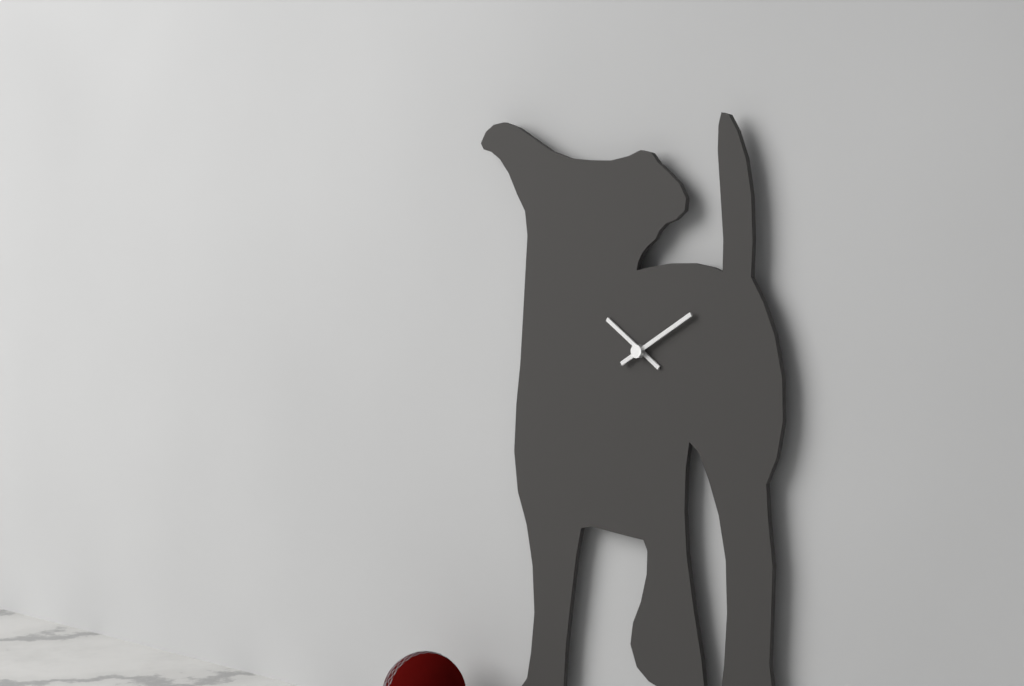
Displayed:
10:10
